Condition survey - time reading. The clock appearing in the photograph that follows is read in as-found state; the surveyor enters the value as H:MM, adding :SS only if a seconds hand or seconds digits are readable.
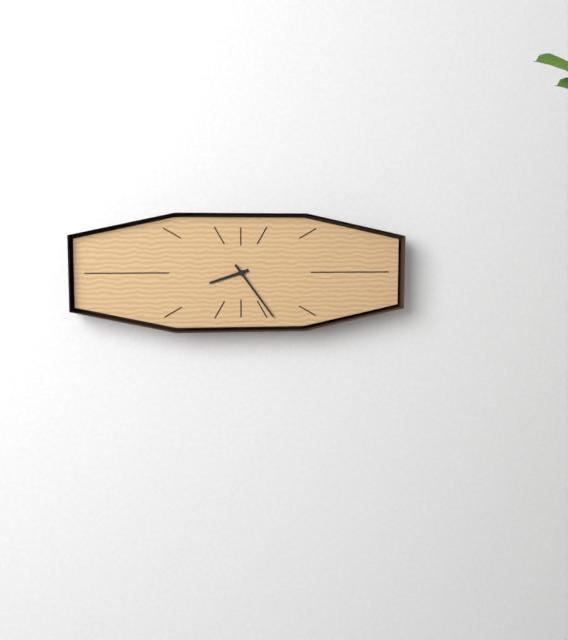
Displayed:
8:24
